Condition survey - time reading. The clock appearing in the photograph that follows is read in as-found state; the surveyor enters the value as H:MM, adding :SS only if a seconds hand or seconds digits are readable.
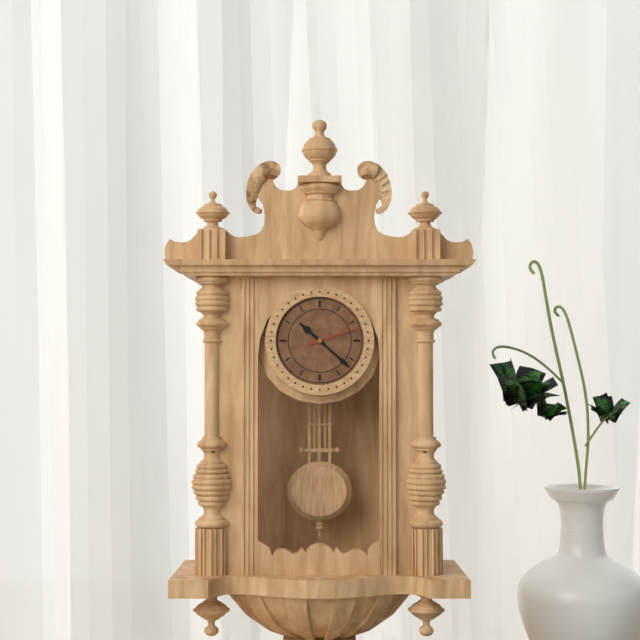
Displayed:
10:22:12
